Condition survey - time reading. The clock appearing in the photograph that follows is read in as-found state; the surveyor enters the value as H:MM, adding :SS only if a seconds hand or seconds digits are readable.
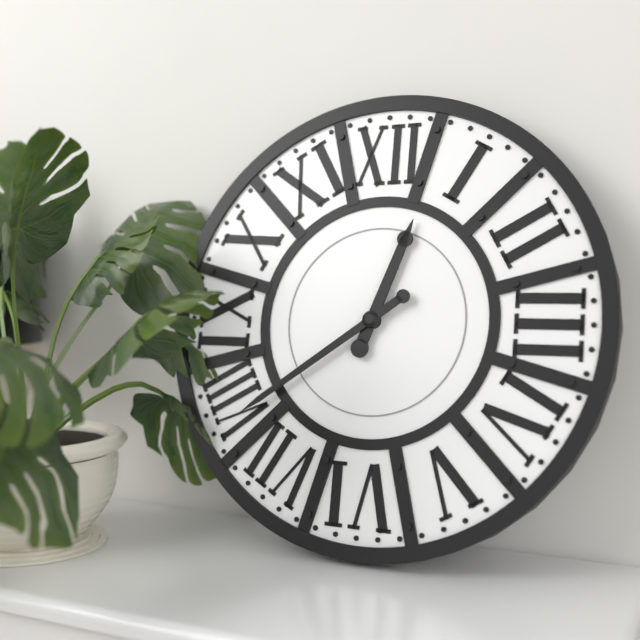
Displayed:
12:39
